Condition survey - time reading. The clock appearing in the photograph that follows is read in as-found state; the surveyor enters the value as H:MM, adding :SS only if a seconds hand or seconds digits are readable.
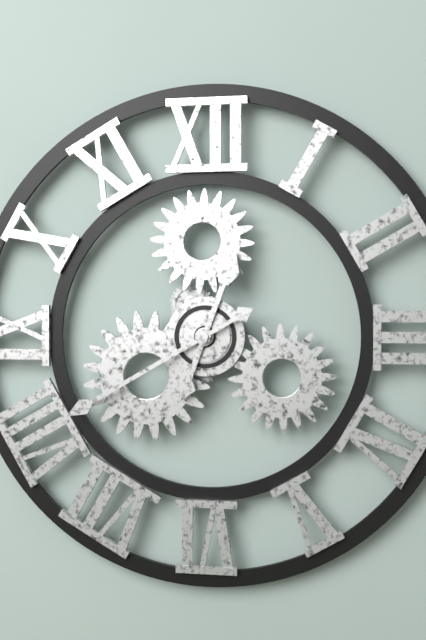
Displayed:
12:40
